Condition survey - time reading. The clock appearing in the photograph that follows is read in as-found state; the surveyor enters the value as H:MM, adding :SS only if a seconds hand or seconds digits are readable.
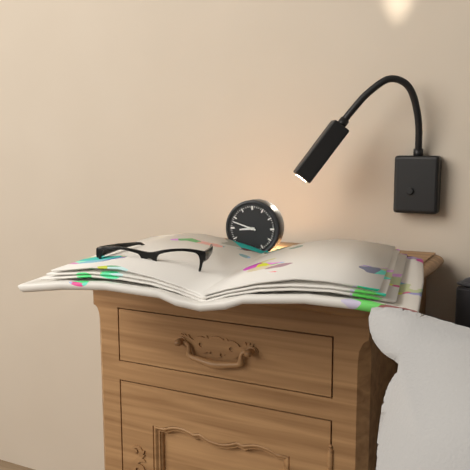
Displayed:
8:48
